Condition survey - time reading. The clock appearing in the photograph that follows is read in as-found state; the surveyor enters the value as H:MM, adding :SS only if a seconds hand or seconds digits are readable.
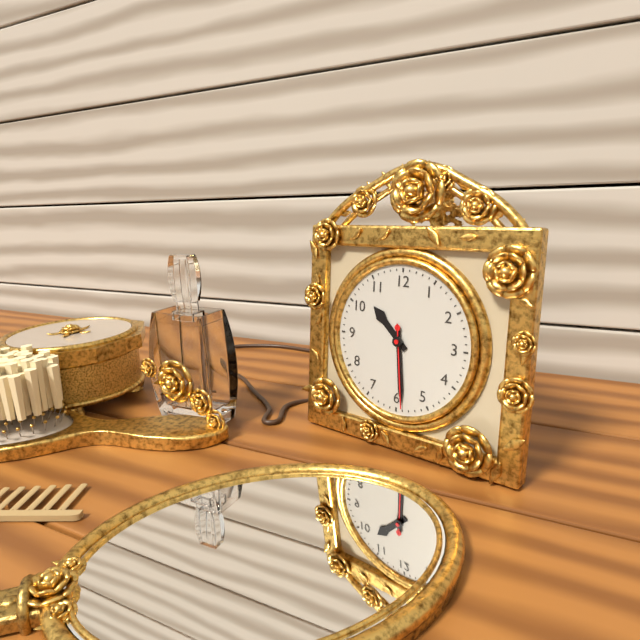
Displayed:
10:29:29
